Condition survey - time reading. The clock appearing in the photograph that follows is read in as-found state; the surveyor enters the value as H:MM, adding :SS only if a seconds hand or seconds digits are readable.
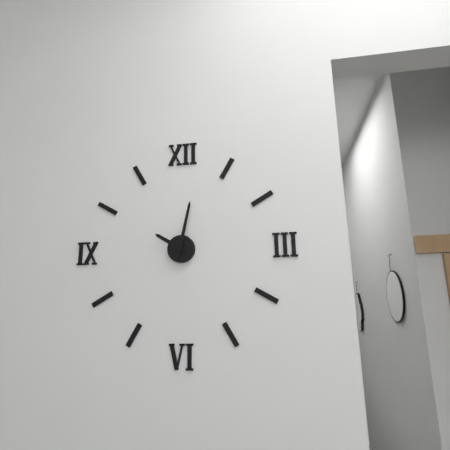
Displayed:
10:02
